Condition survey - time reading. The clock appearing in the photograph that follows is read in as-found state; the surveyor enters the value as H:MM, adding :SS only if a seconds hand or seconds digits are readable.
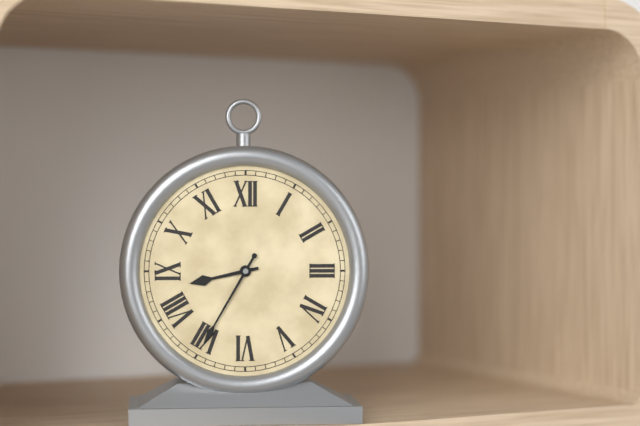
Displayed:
8:35
